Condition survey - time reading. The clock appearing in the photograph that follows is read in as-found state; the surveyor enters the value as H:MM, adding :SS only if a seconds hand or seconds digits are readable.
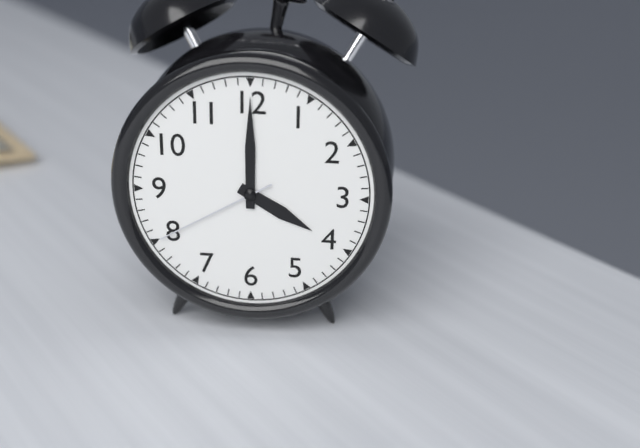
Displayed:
4:00:40
